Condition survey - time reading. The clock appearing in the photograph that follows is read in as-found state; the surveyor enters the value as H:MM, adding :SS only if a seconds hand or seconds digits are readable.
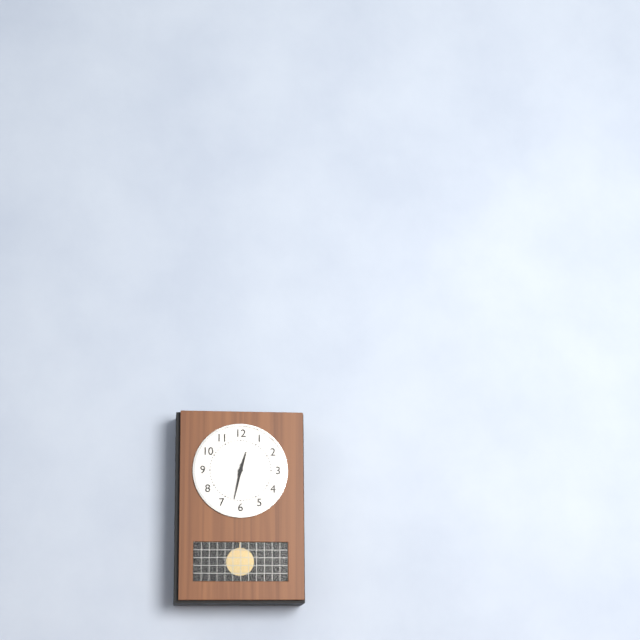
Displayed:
12:32
